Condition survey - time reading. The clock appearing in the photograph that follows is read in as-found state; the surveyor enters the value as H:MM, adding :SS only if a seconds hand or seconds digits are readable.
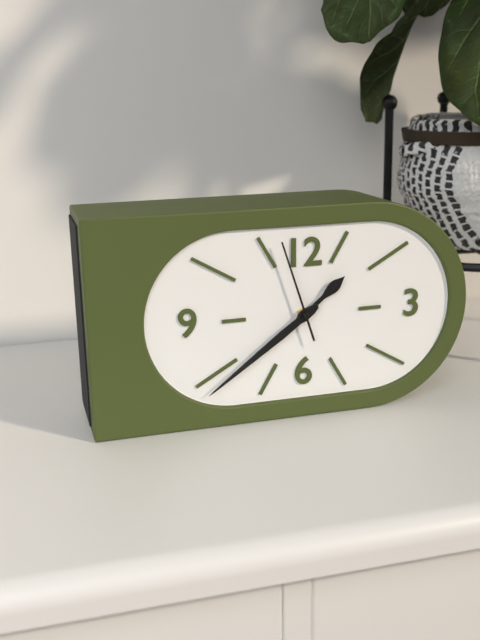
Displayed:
1:39:57
